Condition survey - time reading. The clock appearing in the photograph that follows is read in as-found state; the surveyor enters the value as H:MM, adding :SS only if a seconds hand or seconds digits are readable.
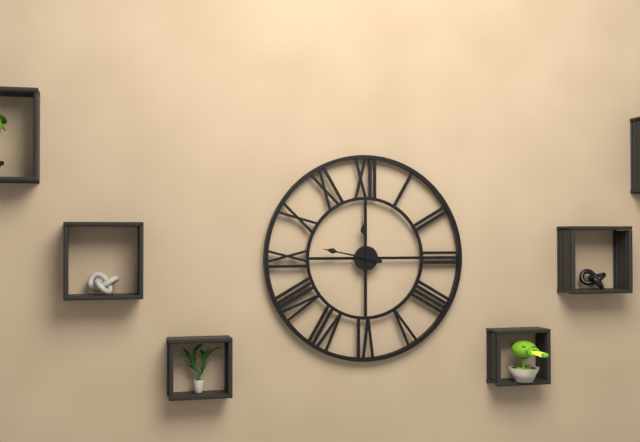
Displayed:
11:47
